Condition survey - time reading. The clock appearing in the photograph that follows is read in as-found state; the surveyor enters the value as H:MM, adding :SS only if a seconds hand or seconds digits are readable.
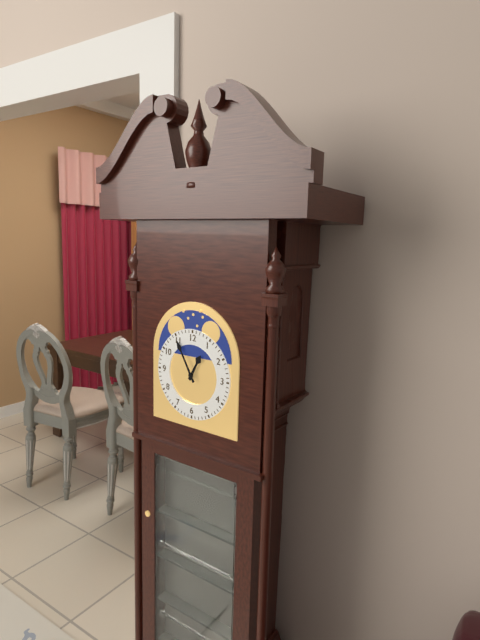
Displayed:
12:55
